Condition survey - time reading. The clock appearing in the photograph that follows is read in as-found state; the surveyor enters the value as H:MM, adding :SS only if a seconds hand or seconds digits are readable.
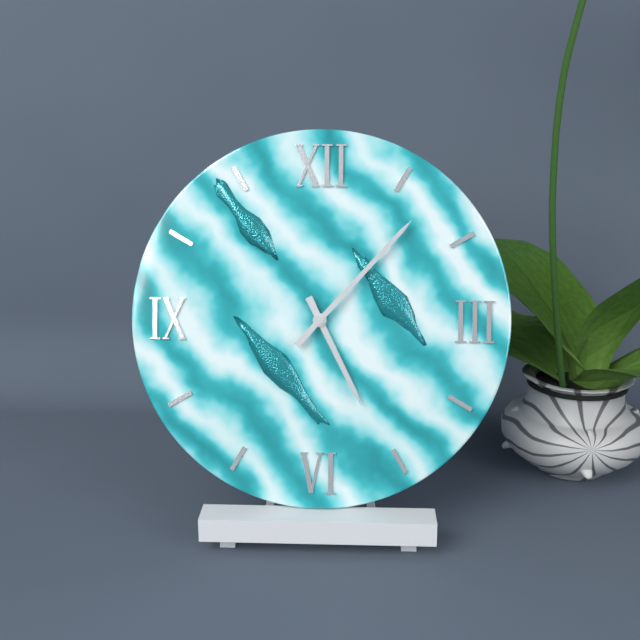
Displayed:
5:07
